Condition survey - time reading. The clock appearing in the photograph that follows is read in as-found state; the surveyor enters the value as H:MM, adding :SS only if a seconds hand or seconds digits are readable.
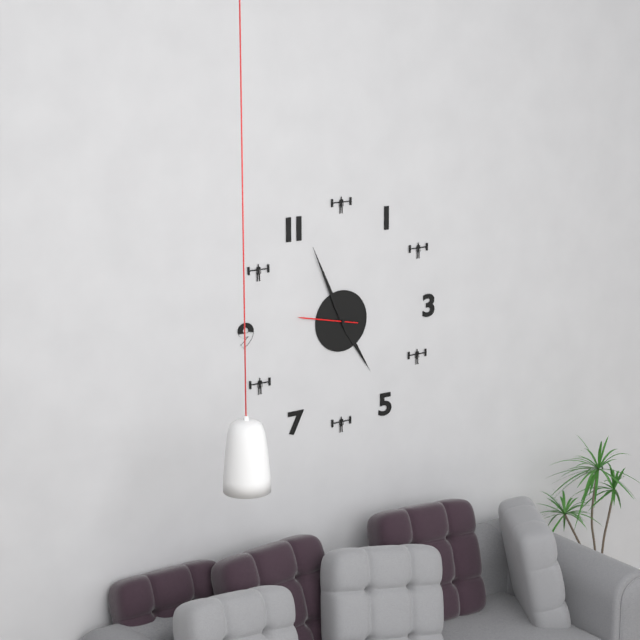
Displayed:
4:56:47
